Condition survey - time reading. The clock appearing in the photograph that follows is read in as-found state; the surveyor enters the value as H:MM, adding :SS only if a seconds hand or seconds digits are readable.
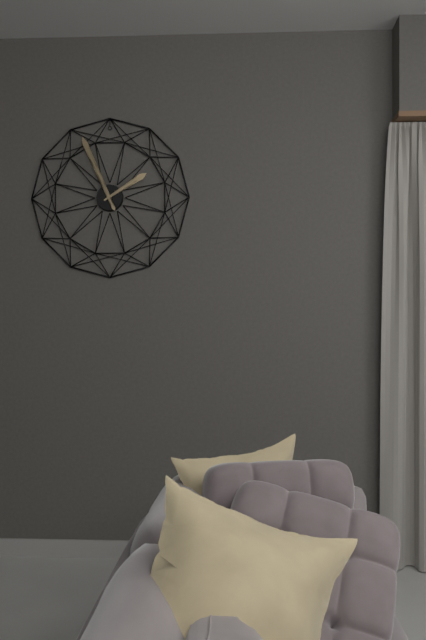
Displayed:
1:56
